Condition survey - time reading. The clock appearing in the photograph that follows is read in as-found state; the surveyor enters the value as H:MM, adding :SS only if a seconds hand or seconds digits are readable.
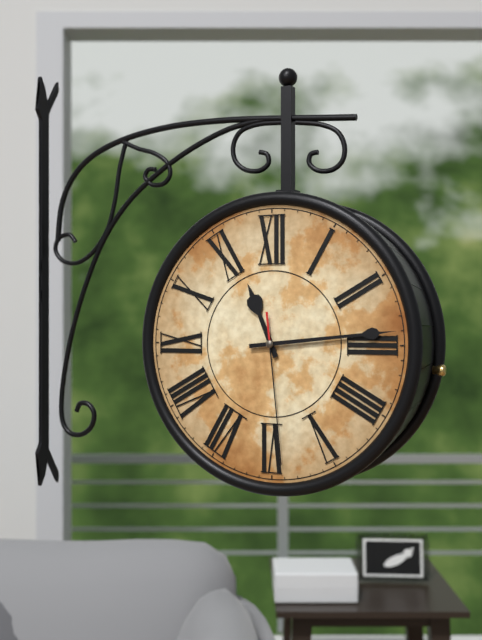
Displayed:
11:14:29
